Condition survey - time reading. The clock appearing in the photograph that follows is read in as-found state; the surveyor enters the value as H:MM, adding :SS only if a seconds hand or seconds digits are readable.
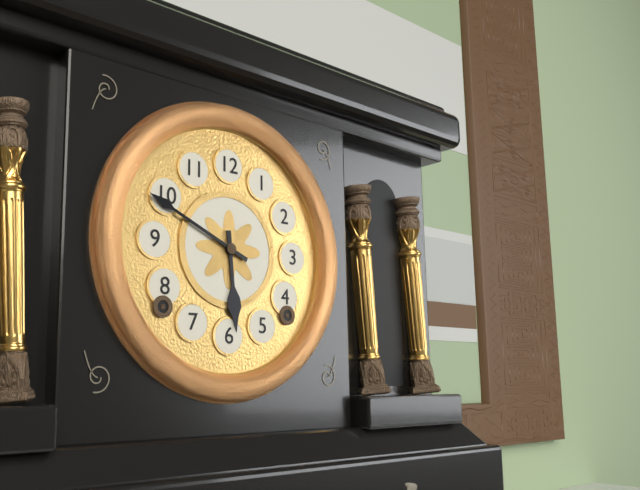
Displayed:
5:49
